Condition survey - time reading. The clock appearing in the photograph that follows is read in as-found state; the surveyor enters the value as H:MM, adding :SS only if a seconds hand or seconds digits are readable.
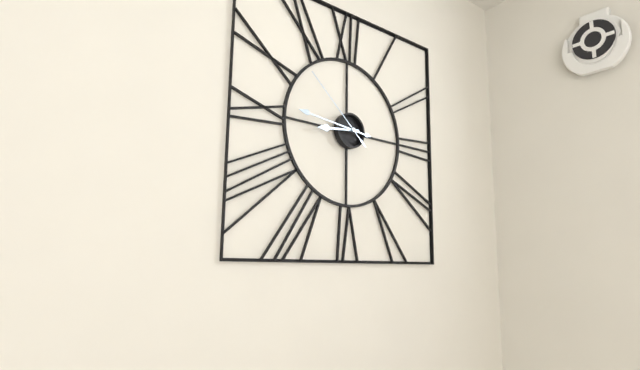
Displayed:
8:46:52
